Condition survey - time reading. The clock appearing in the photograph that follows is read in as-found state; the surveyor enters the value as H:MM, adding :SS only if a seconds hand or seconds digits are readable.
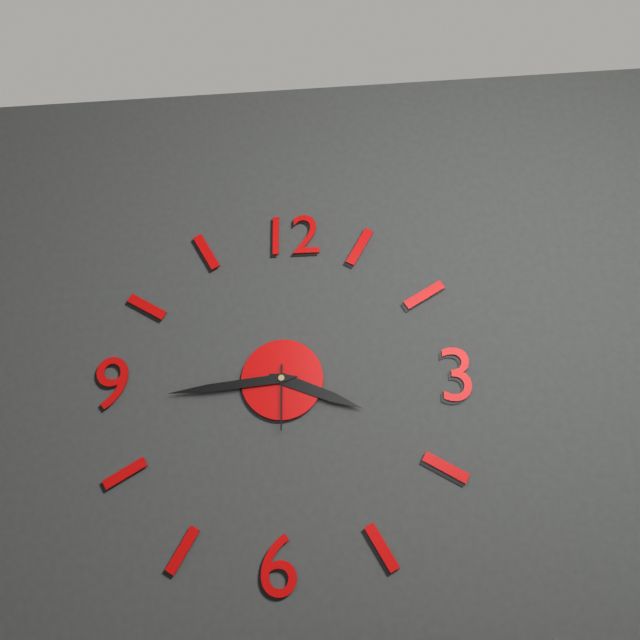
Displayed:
3:44:30
